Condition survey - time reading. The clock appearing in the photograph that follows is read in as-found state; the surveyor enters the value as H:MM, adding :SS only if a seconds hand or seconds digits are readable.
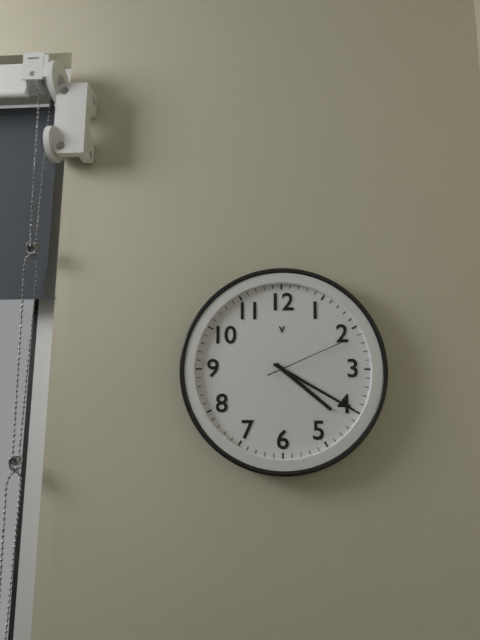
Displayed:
4:20:11
